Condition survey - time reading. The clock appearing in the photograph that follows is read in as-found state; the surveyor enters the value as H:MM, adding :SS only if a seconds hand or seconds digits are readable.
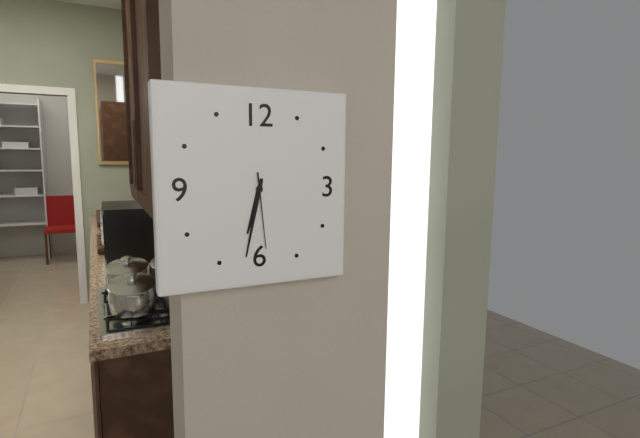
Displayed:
6:32:29
